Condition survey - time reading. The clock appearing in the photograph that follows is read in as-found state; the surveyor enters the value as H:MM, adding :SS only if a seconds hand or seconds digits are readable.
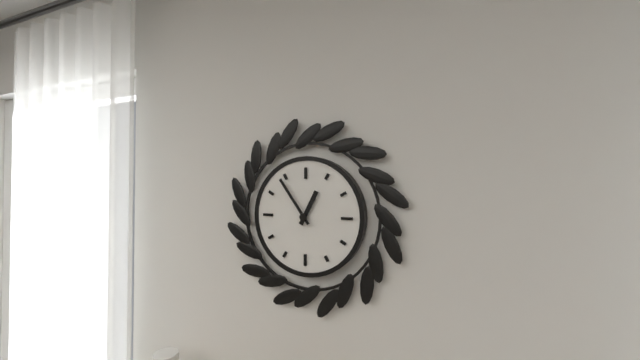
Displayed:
12:54
